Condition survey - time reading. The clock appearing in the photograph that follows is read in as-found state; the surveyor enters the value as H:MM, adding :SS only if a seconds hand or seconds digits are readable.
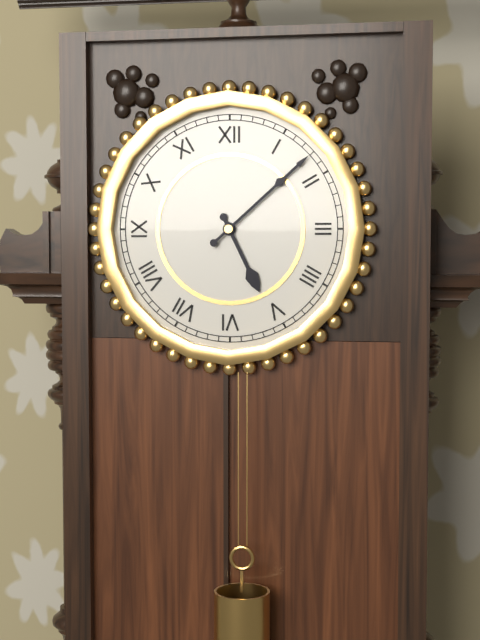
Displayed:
5:08
